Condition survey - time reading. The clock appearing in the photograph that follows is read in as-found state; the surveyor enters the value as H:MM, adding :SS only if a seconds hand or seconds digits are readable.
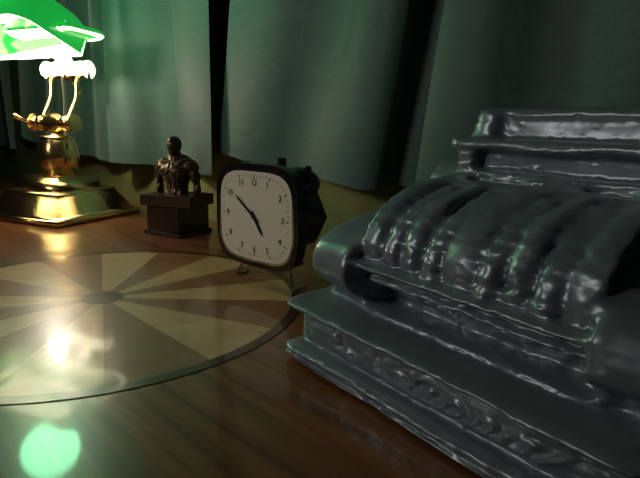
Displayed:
4:51
